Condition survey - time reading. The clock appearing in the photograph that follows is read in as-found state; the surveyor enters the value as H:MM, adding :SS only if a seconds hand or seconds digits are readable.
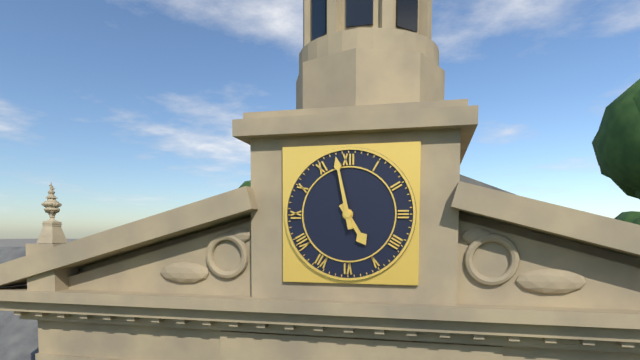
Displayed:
4:58
